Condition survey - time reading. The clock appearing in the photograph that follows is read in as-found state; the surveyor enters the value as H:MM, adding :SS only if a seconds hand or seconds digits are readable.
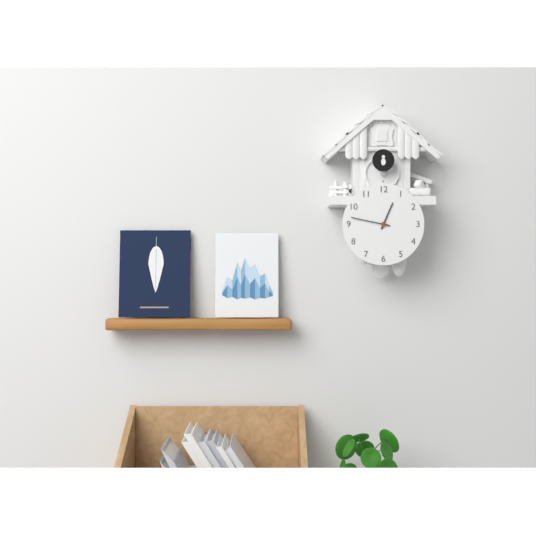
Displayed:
12:47
